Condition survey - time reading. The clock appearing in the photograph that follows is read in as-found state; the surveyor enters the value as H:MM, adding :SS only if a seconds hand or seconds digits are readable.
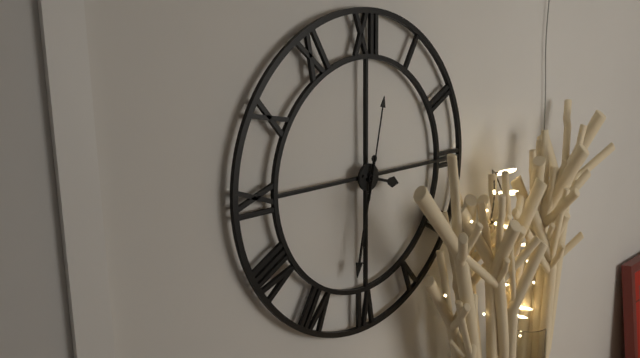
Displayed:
3:32:02
